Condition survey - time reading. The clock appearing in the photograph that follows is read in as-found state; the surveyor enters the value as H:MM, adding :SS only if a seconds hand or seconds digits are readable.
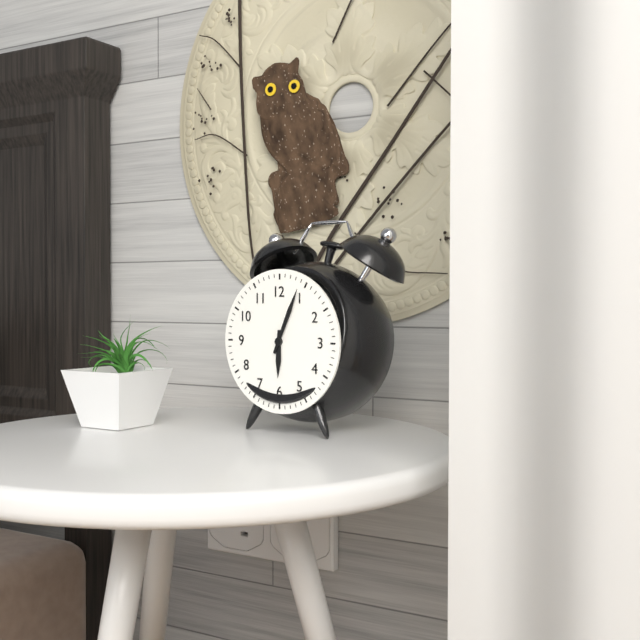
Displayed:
6:04
